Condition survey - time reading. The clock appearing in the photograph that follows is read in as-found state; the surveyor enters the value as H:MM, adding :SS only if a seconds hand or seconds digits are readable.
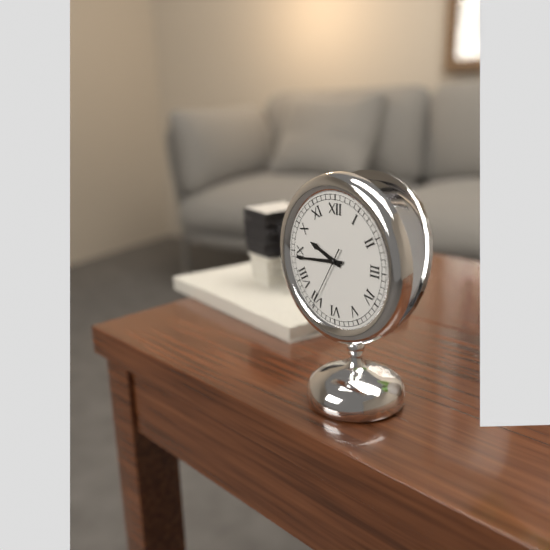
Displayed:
9:44:35
